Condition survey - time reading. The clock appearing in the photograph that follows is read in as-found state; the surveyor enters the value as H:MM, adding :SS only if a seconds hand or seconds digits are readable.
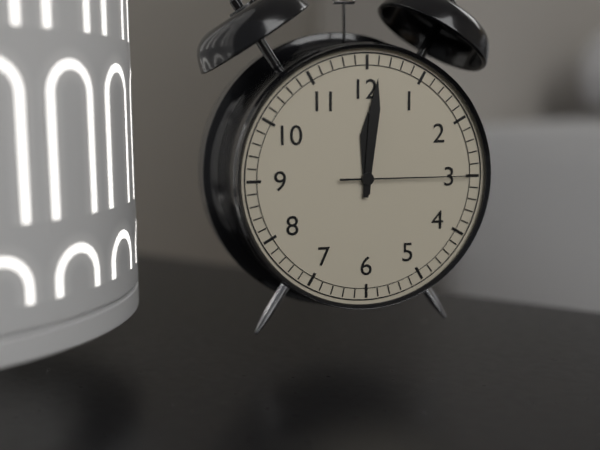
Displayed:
12:01:15
